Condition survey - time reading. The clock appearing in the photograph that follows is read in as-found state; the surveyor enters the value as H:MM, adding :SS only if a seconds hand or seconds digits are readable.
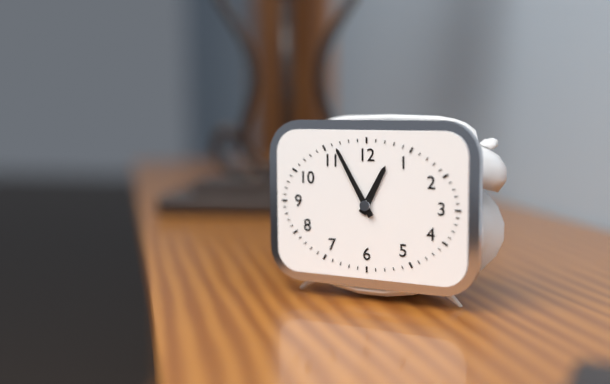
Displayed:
12:55
